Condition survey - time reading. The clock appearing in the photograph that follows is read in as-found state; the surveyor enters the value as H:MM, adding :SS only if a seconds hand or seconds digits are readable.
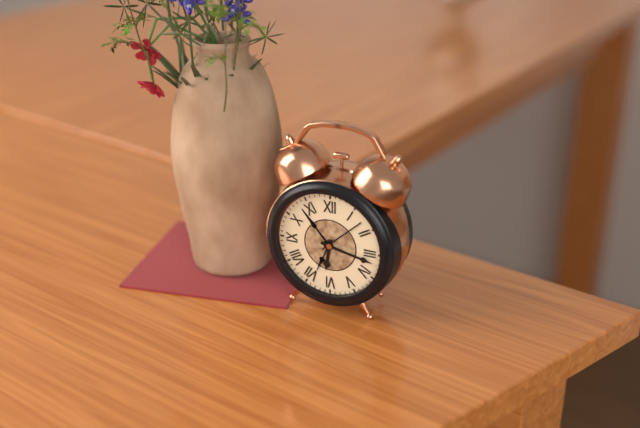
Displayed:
6:17
